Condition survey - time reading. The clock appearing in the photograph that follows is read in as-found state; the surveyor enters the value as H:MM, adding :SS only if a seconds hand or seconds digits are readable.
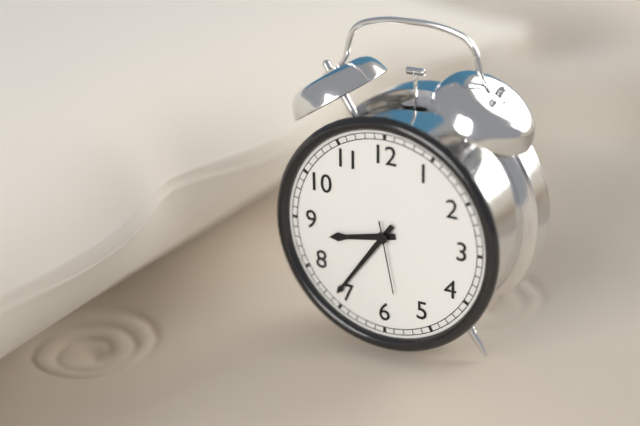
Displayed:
8:36:28
